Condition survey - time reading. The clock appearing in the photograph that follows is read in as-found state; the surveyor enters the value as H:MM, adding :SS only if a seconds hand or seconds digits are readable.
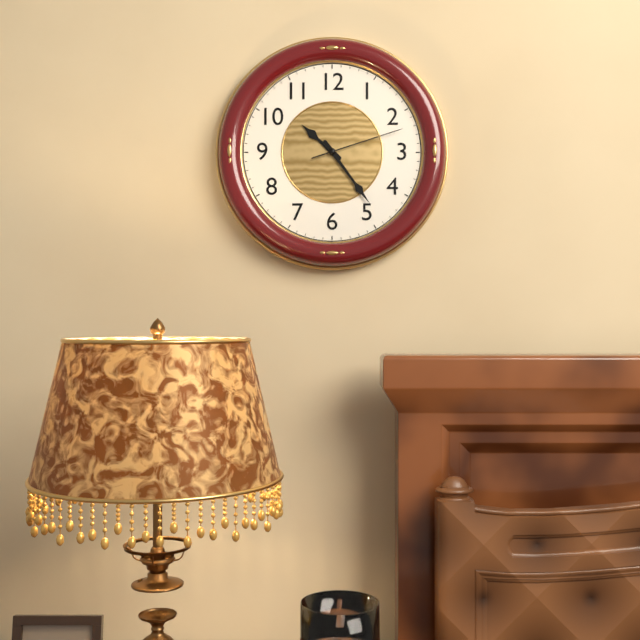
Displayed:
10:24:12
